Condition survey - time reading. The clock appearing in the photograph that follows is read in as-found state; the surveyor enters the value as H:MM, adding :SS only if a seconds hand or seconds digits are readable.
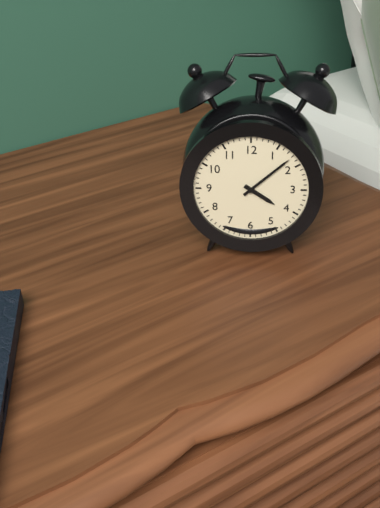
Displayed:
4:08
